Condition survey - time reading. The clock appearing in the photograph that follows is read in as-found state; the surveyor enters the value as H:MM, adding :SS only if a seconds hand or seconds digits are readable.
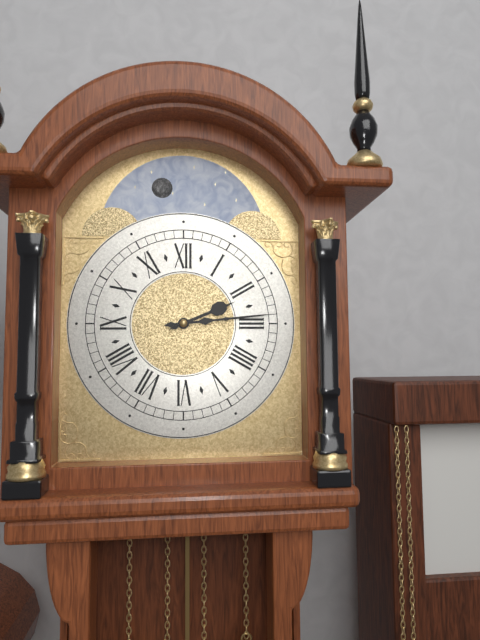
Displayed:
2:14
